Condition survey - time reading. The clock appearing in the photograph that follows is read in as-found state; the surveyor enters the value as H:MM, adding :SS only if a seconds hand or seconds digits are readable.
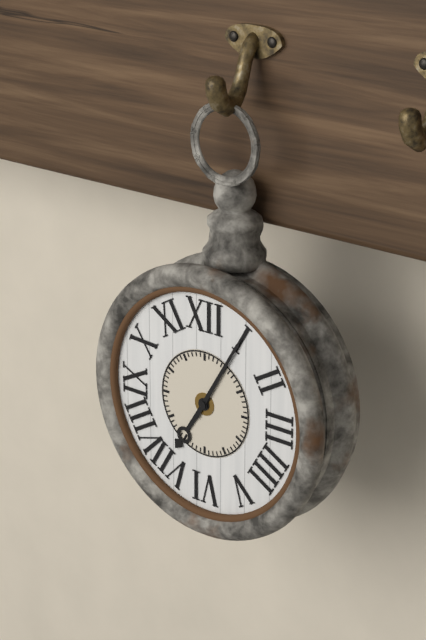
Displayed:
7:05
